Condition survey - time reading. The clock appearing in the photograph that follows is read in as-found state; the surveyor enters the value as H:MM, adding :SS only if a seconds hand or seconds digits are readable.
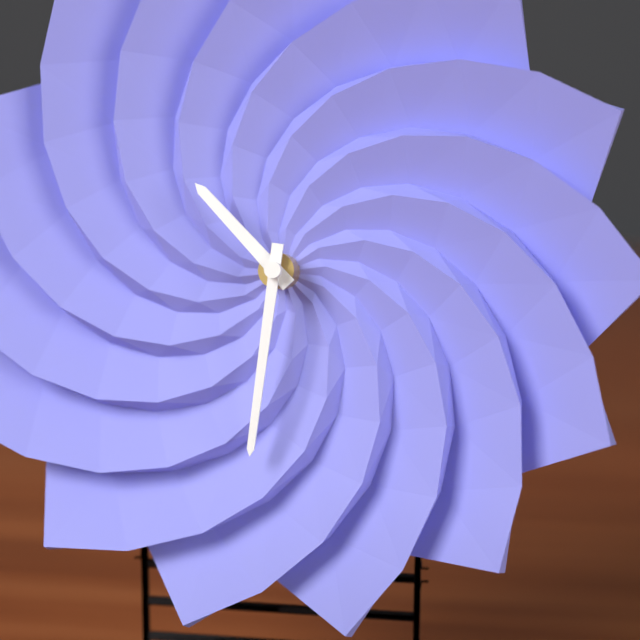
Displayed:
10:31
